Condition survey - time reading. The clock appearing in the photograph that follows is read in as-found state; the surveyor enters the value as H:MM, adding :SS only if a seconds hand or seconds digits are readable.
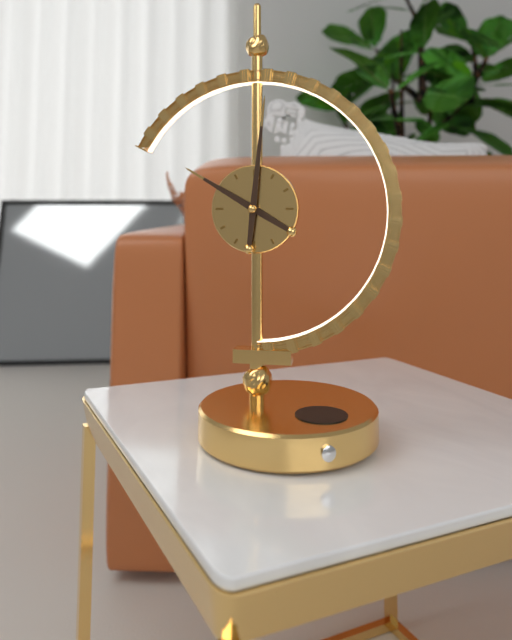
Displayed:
10:01
